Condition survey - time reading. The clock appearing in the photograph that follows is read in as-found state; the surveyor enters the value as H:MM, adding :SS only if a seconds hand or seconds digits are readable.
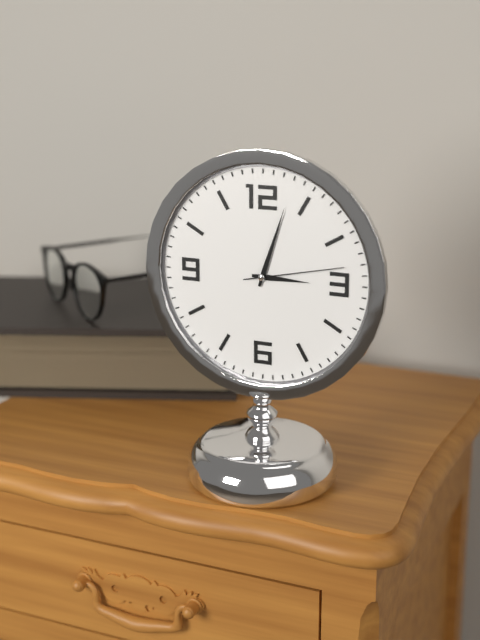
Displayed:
3:03:13
